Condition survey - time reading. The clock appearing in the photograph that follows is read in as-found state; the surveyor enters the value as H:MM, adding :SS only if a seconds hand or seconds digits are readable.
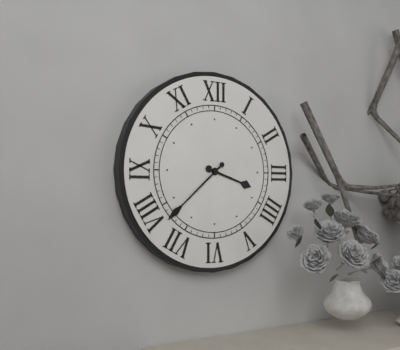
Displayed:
3:38
